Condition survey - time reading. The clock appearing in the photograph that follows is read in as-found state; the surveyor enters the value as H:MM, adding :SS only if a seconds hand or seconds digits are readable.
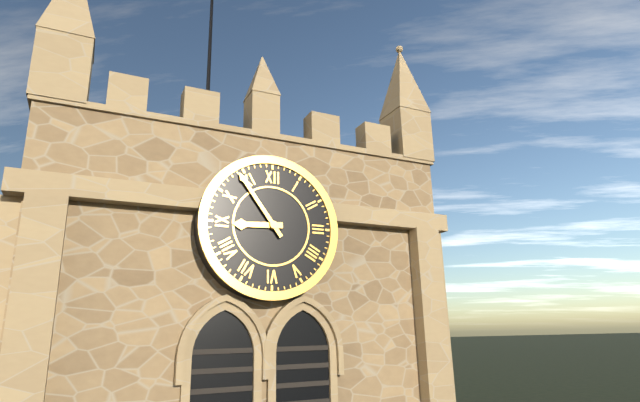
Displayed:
8:54
